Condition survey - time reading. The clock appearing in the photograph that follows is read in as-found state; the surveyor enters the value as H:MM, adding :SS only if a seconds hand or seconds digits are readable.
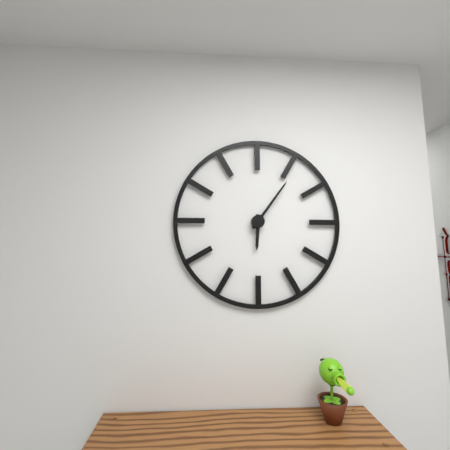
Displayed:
6:06
